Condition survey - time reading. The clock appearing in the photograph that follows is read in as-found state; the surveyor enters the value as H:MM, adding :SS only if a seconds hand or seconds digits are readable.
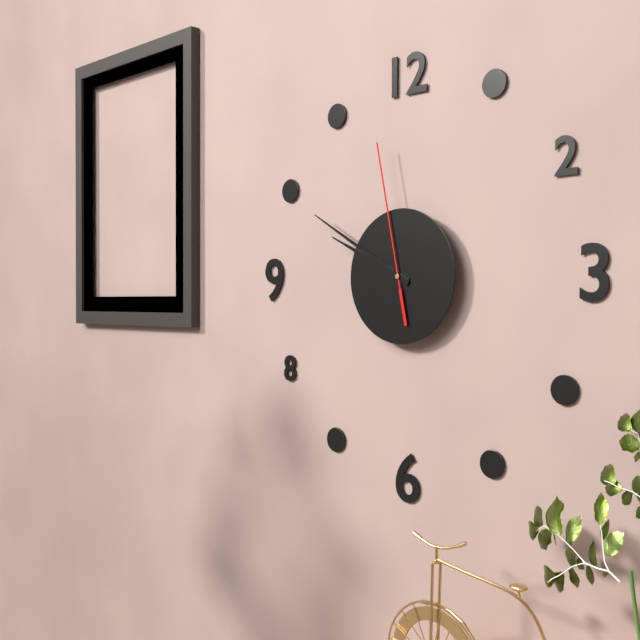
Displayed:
9:50:58
